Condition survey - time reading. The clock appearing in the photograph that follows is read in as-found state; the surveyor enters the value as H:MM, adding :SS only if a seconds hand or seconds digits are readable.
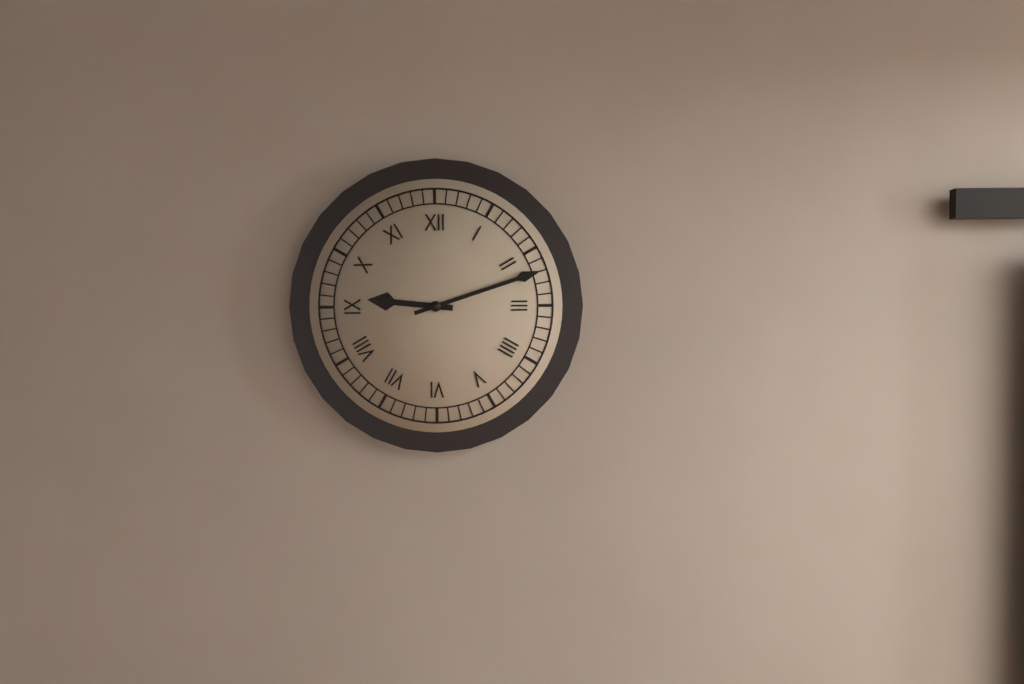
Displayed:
9:12
